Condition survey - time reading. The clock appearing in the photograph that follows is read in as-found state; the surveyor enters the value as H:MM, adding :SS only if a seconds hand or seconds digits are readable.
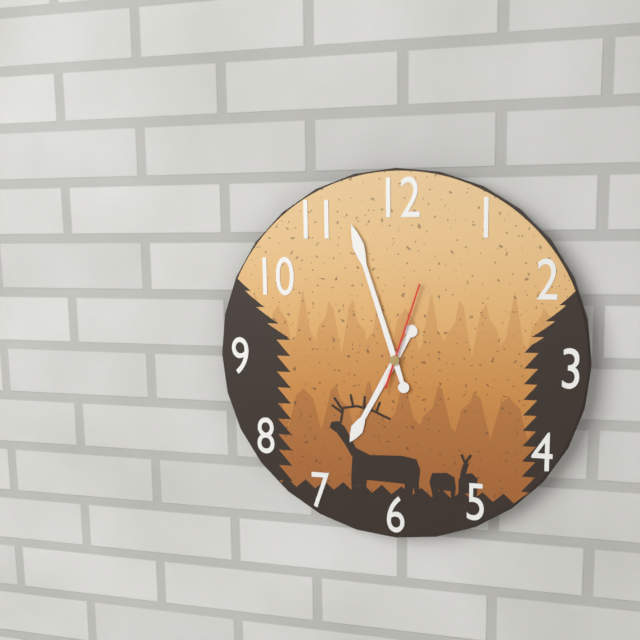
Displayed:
6:57:03
